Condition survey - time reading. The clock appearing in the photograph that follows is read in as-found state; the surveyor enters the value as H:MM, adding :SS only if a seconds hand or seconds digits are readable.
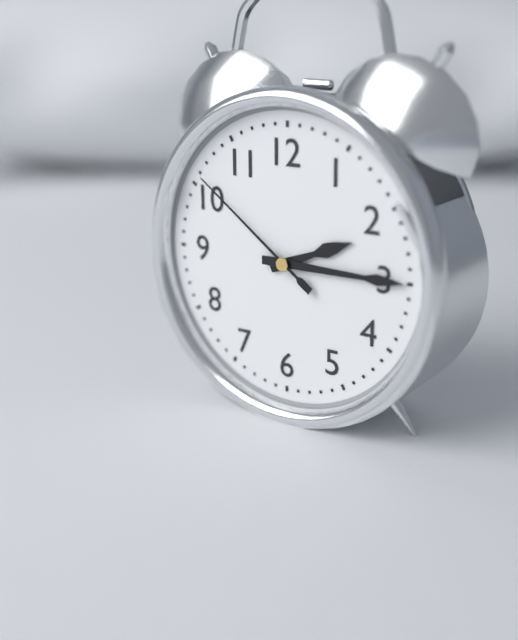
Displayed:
2:15:51
